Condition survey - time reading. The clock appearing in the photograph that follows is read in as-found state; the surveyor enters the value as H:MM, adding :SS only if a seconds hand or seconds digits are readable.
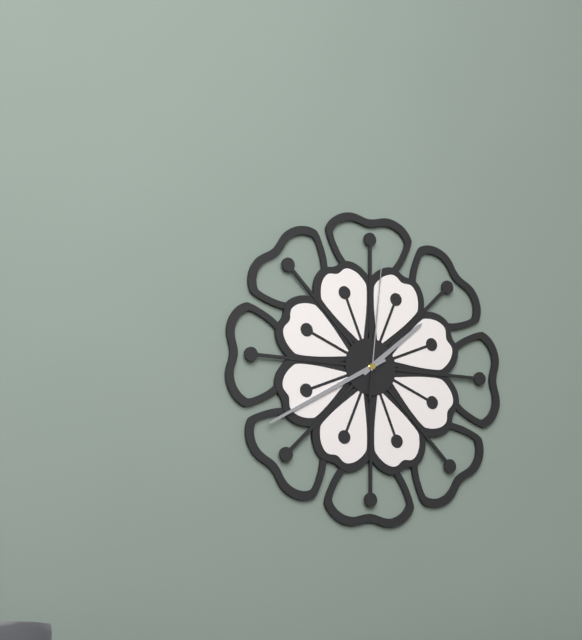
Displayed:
1:40:01
